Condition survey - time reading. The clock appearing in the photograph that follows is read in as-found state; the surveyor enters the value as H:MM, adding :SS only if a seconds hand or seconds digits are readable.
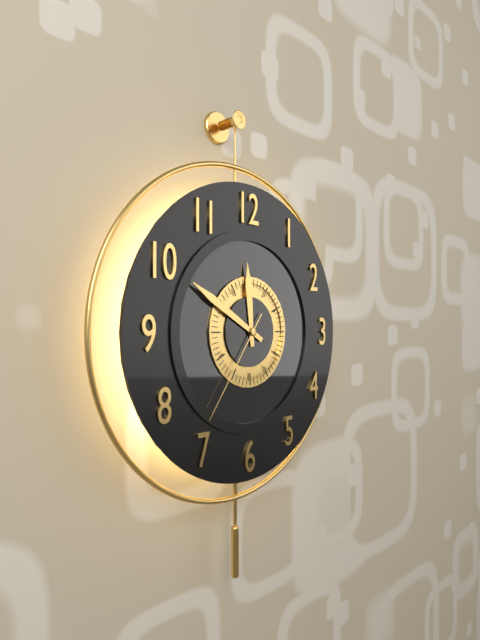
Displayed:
11:50:36
